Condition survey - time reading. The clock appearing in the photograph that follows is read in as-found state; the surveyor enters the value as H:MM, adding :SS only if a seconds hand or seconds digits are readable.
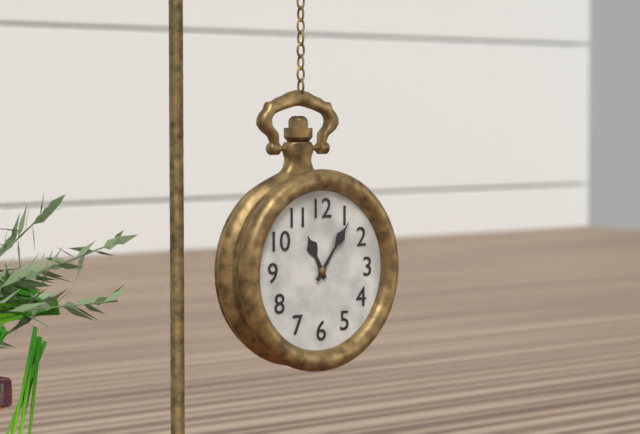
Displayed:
11:06
